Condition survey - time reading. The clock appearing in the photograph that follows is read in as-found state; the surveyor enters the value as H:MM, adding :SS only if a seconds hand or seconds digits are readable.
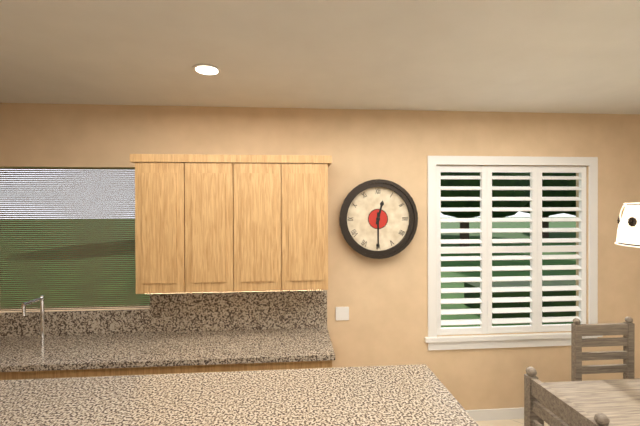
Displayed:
12:30
